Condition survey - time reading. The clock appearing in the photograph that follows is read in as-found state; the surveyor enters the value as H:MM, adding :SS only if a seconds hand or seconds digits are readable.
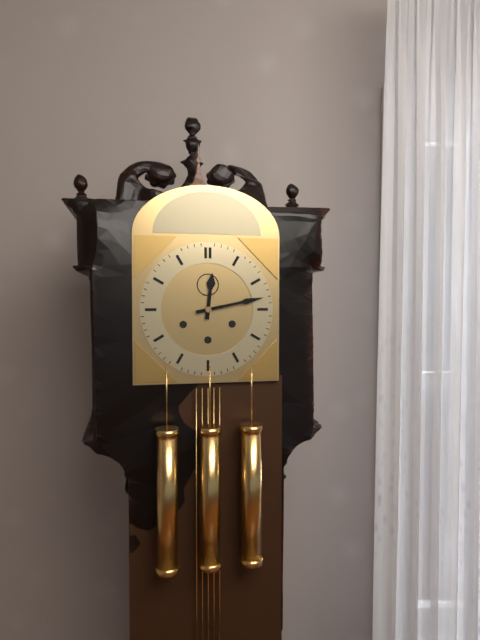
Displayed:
12:13
